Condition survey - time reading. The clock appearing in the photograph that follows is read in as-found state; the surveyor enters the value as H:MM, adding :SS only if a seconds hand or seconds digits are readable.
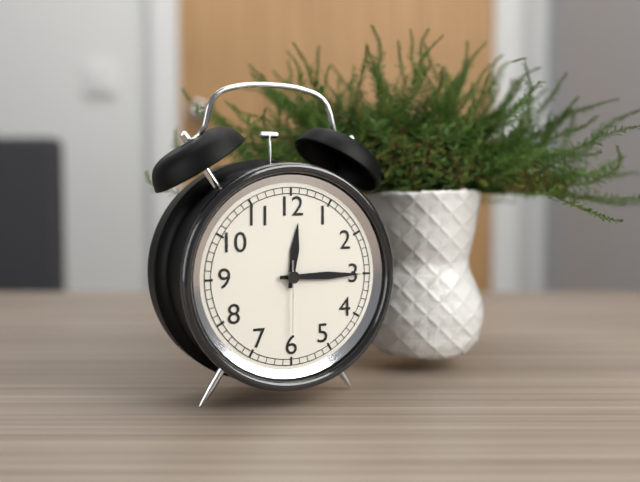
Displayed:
12:15:30
